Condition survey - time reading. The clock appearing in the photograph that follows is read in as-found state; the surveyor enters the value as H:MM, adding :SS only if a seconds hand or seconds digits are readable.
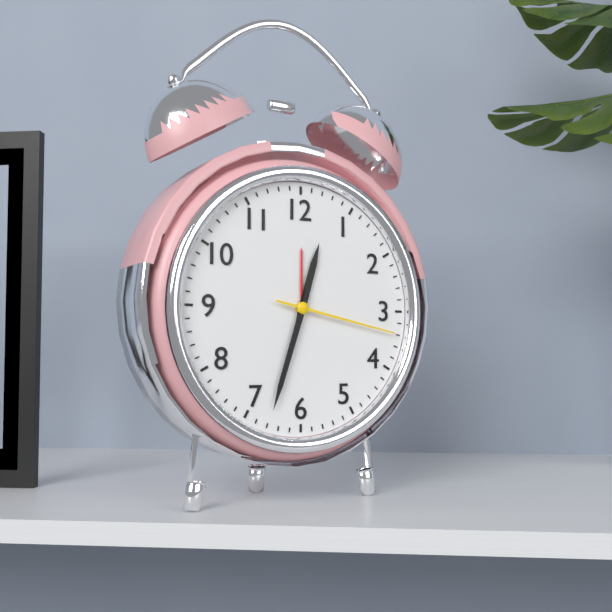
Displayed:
12:33:17
